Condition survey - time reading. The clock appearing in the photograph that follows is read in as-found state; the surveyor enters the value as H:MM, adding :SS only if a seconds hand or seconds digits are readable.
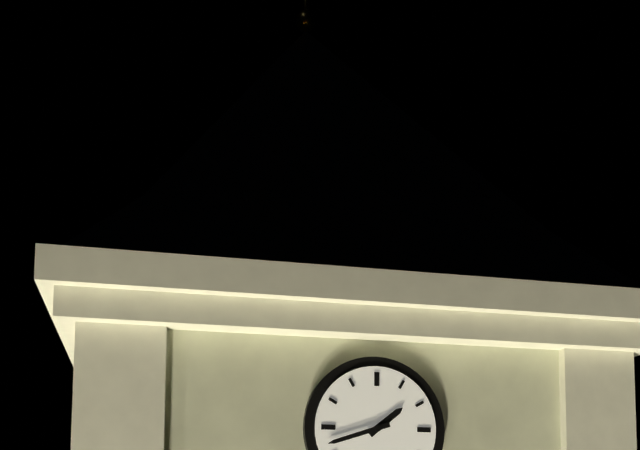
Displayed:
1:42
